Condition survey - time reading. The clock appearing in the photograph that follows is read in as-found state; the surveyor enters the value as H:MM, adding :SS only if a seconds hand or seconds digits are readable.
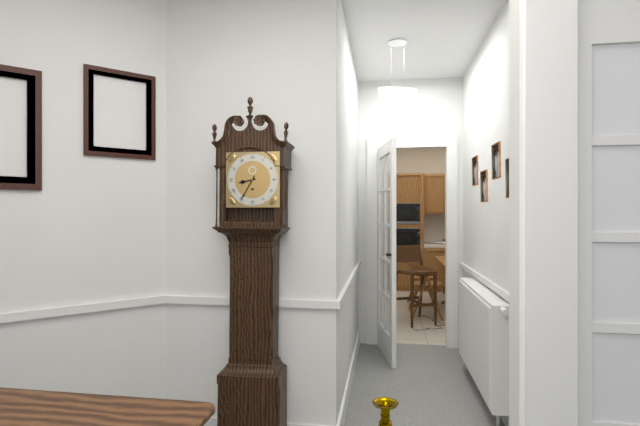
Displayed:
8:35
